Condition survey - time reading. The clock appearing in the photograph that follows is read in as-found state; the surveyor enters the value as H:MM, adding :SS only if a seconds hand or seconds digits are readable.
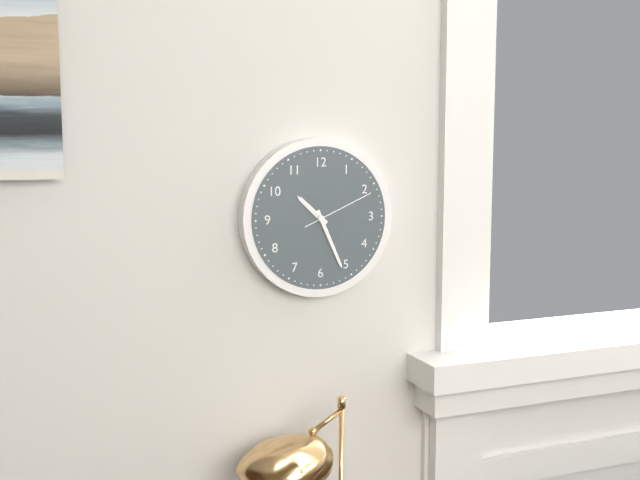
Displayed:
10:26:11
